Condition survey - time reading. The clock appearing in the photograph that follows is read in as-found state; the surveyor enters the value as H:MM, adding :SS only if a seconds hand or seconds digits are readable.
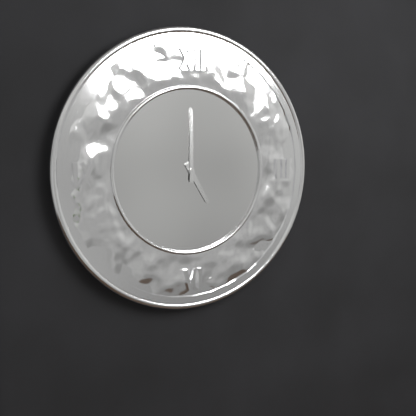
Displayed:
5:00
